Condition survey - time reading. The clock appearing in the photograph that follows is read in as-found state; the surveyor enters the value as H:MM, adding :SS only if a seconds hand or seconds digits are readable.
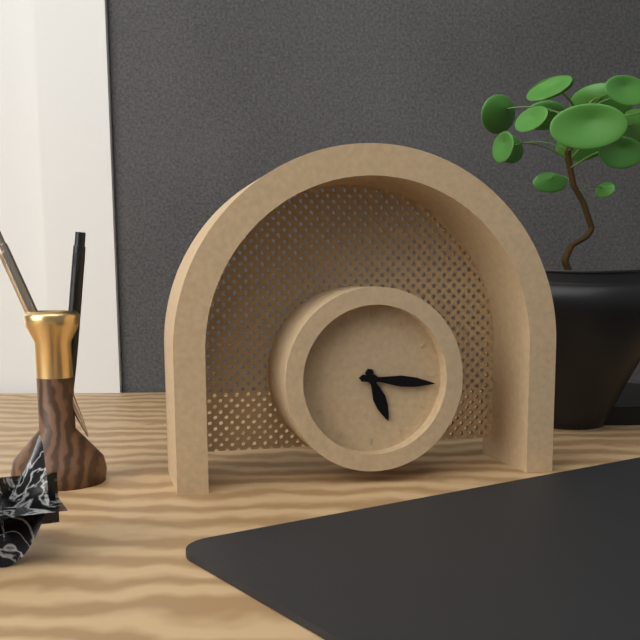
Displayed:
5:16
